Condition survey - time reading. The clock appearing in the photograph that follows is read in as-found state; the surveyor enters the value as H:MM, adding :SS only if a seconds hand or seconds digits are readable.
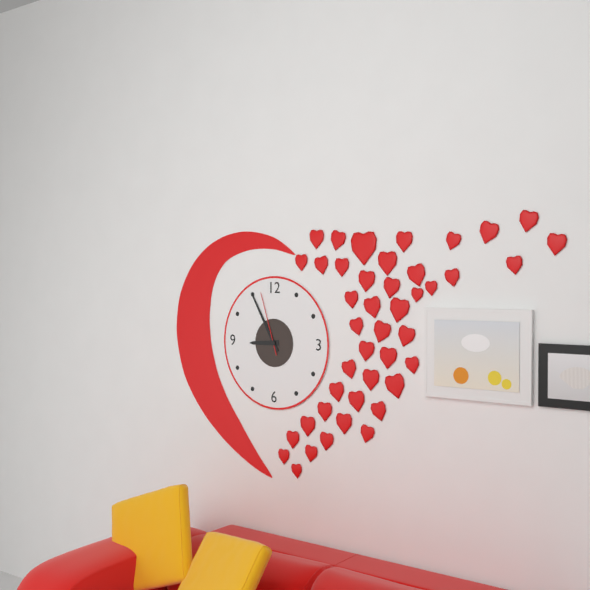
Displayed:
8:55:57
